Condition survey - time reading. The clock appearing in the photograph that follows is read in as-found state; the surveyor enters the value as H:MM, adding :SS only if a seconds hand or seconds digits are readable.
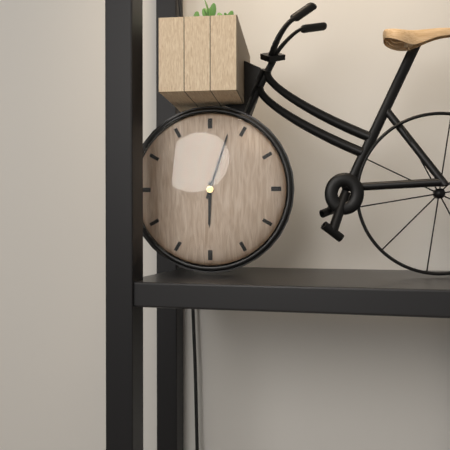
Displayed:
6:03
